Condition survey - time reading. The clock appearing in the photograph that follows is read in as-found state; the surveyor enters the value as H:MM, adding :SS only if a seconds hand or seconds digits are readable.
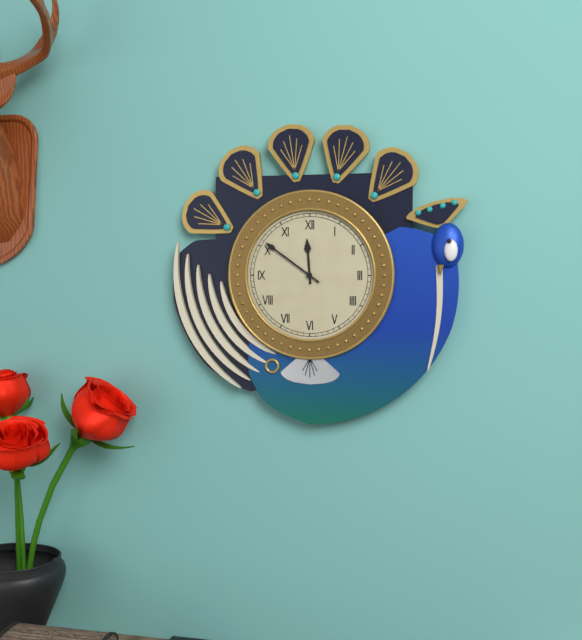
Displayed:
11:51
